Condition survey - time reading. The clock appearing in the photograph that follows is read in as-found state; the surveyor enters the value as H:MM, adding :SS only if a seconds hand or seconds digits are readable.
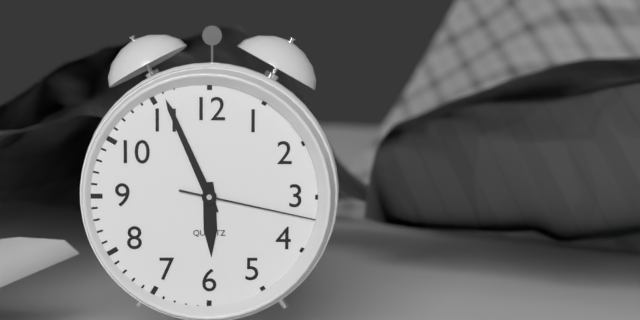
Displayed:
5:56:17
